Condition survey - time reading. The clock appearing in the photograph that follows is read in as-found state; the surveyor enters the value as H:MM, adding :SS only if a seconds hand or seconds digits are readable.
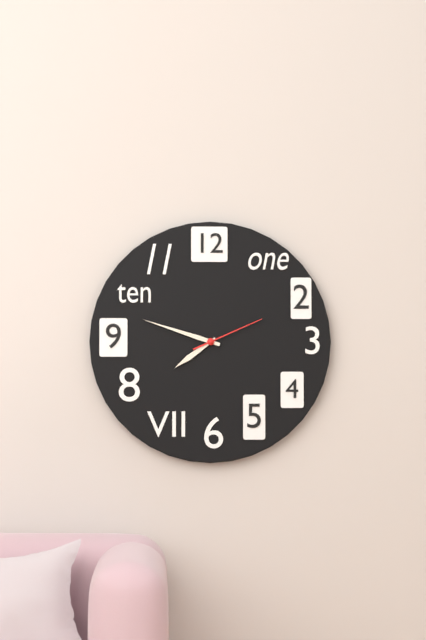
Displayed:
7:48:11
